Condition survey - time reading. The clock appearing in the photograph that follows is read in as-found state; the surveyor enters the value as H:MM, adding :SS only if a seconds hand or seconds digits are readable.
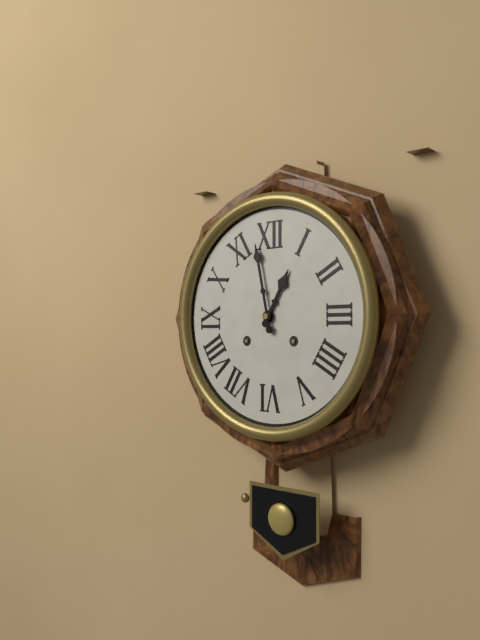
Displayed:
12:58
